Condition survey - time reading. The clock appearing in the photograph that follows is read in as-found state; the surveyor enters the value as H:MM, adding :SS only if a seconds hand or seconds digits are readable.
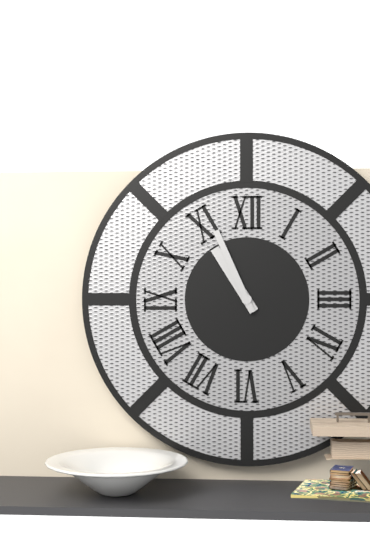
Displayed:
10:56
